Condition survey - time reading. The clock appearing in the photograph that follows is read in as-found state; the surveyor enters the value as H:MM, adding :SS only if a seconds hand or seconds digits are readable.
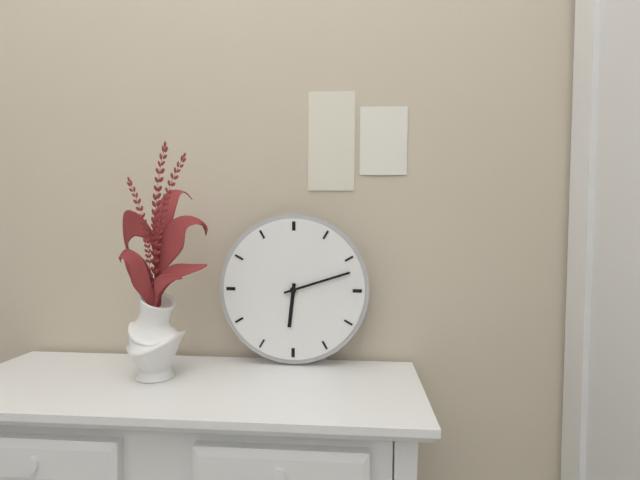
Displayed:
6:12
